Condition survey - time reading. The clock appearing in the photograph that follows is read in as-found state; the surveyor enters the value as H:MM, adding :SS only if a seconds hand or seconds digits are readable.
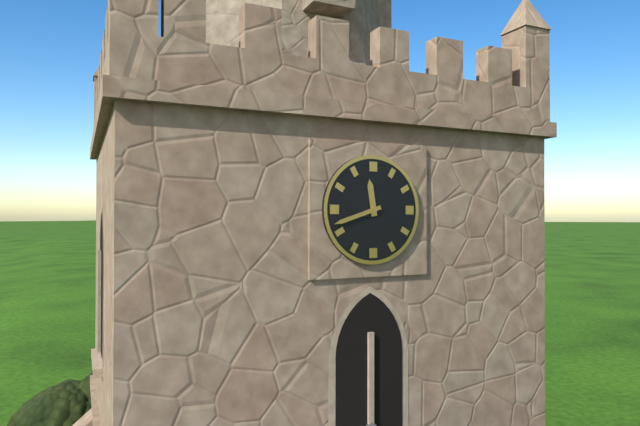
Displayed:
11:42
